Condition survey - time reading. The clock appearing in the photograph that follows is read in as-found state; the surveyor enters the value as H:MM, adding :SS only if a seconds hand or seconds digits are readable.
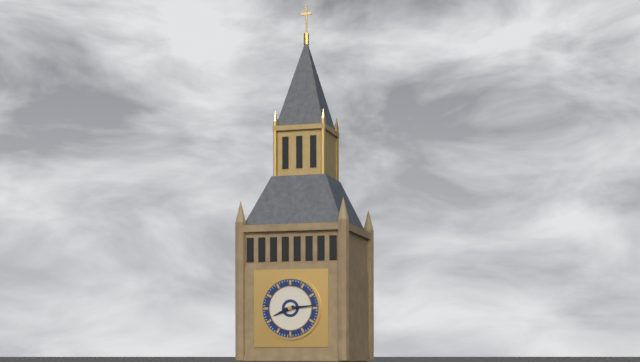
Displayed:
8:14
